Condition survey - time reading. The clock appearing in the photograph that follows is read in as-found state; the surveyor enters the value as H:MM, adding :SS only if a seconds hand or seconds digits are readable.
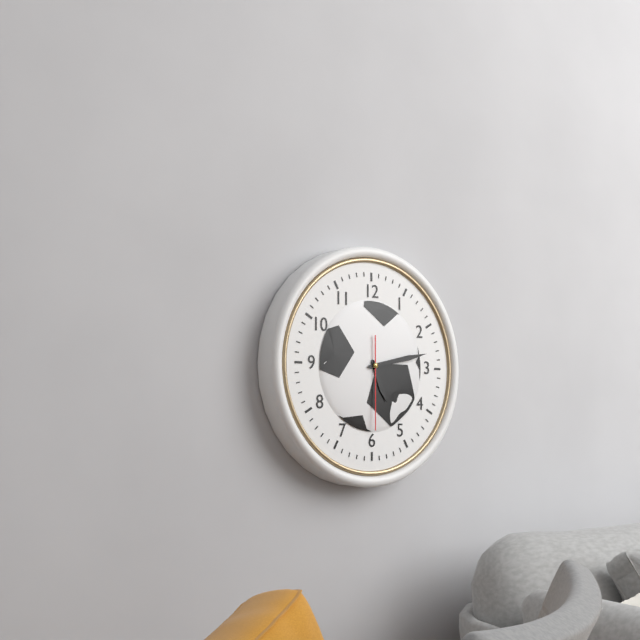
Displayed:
5:13:30
